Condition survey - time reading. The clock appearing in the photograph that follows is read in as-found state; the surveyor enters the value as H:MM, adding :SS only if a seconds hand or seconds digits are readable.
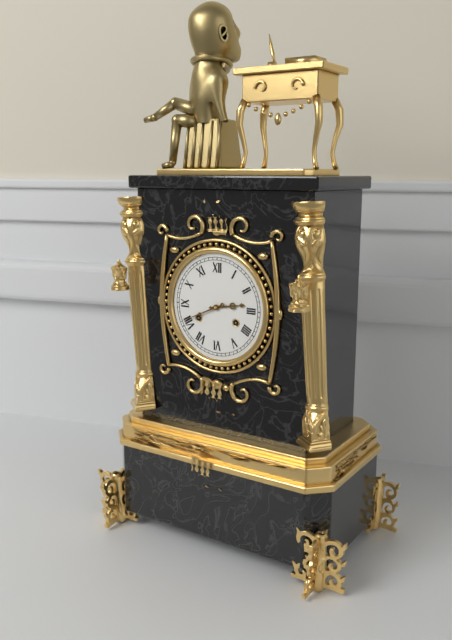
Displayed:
2:41
